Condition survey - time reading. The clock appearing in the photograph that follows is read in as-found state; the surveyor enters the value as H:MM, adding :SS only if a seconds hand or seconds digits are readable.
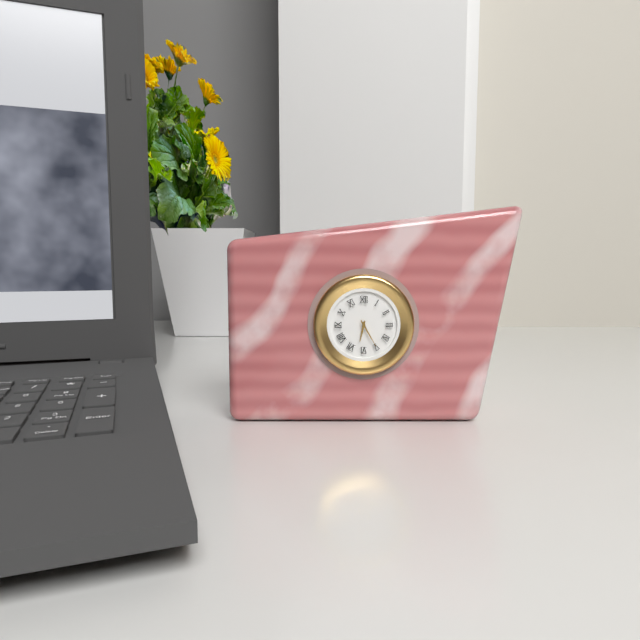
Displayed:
6:25
